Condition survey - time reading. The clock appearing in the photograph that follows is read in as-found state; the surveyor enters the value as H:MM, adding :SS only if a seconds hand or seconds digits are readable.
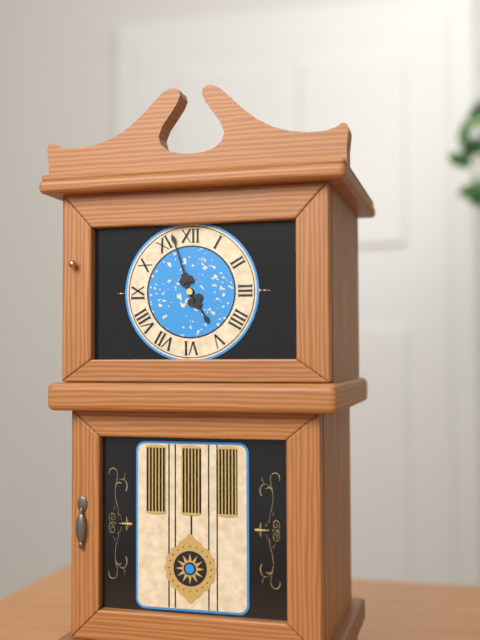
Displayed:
4:57
